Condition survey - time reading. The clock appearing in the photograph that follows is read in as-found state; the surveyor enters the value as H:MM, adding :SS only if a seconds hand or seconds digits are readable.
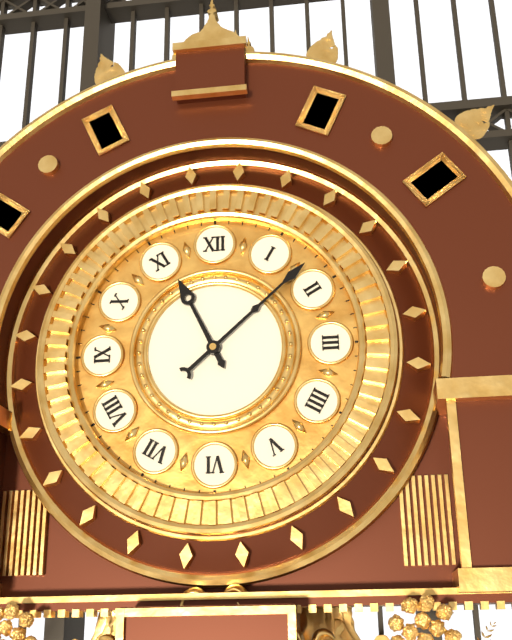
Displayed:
11:08
